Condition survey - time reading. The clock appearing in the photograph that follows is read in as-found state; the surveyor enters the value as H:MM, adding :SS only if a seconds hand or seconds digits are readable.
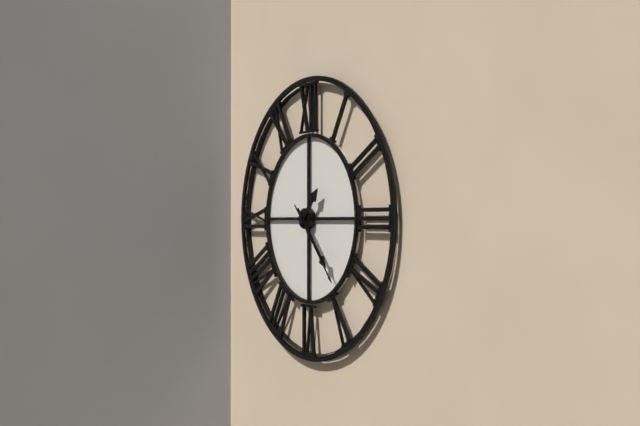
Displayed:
1:23:23
